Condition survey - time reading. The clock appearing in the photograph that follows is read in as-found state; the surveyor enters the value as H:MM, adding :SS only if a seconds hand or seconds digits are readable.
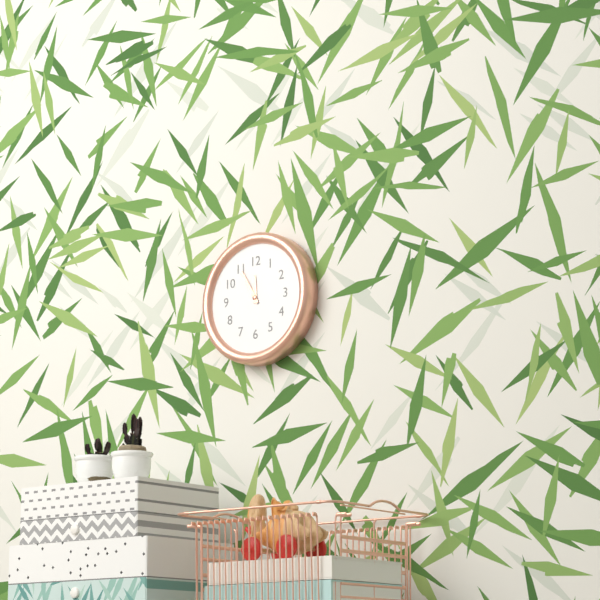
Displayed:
11:55
